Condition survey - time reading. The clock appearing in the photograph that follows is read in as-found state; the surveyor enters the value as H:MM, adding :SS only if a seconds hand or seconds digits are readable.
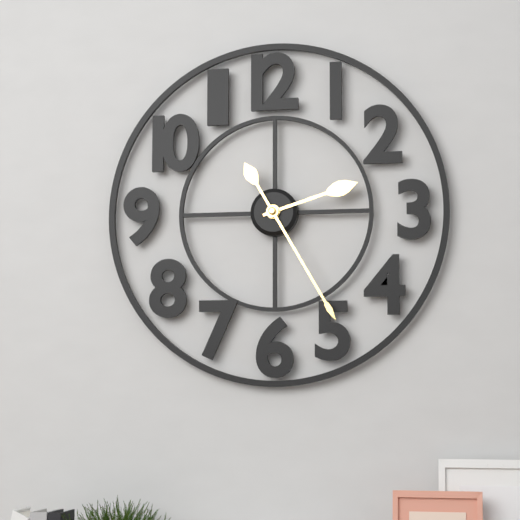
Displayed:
2:25
